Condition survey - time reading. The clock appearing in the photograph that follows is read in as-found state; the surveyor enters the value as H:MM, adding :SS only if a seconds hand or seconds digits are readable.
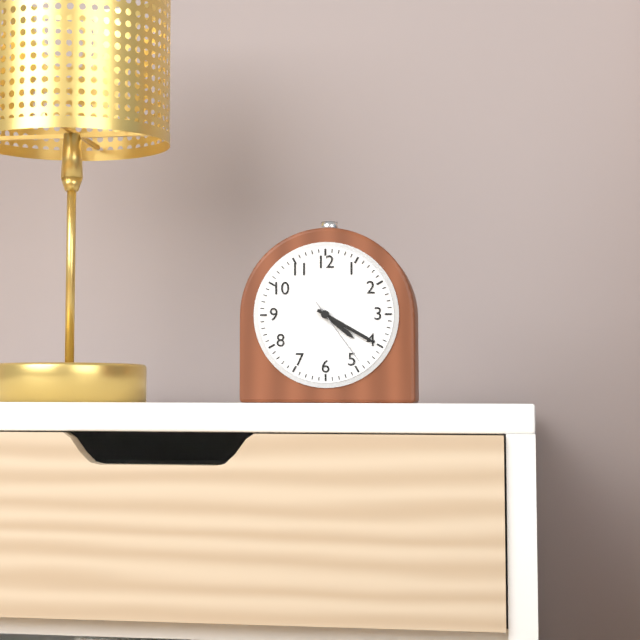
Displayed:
4:20:24
